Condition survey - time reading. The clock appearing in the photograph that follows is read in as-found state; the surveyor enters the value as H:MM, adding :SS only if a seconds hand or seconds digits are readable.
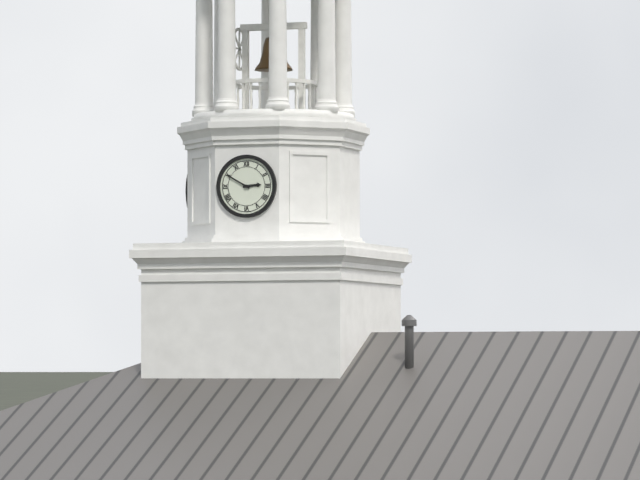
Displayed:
2:50
